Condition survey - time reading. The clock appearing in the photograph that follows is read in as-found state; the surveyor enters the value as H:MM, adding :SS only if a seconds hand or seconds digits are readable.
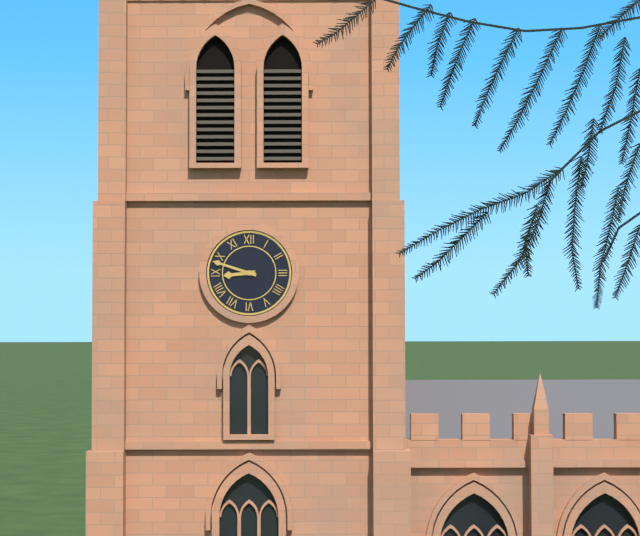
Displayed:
8:48
